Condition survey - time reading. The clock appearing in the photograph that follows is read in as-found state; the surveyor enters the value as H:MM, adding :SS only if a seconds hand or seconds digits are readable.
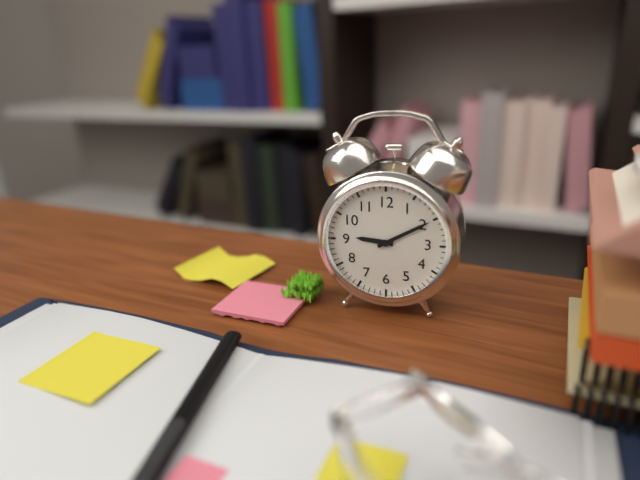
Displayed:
9:10
